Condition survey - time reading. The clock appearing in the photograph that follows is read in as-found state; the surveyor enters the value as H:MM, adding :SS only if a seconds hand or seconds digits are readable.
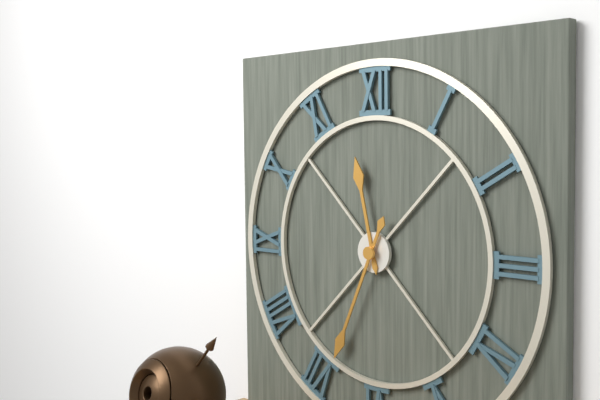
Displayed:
11:34
